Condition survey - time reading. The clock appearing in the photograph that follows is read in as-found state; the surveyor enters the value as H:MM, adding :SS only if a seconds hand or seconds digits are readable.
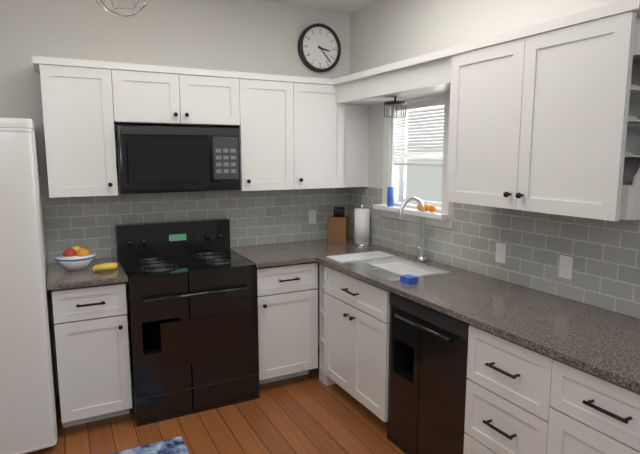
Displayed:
3:23
